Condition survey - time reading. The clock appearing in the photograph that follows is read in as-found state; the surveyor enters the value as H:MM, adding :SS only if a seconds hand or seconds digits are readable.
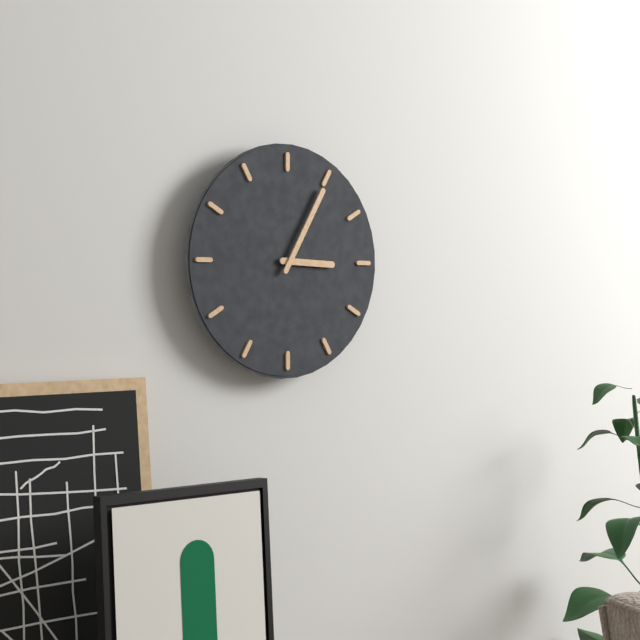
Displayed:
3:05
